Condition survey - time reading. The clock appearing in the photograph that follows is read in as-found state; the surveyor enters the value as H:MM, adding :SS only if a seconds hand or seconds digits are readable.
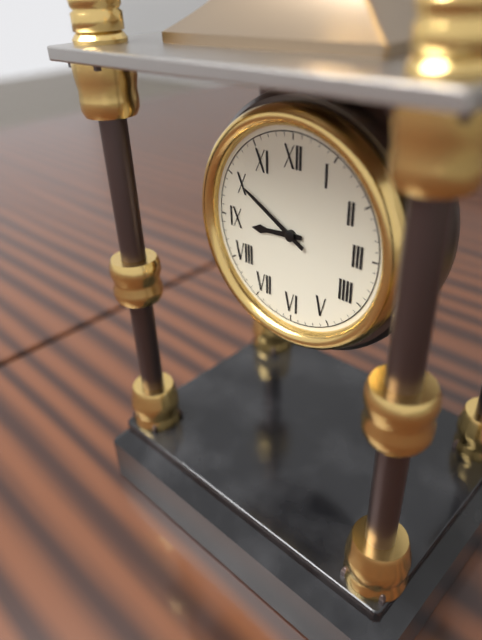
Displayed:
8:50
